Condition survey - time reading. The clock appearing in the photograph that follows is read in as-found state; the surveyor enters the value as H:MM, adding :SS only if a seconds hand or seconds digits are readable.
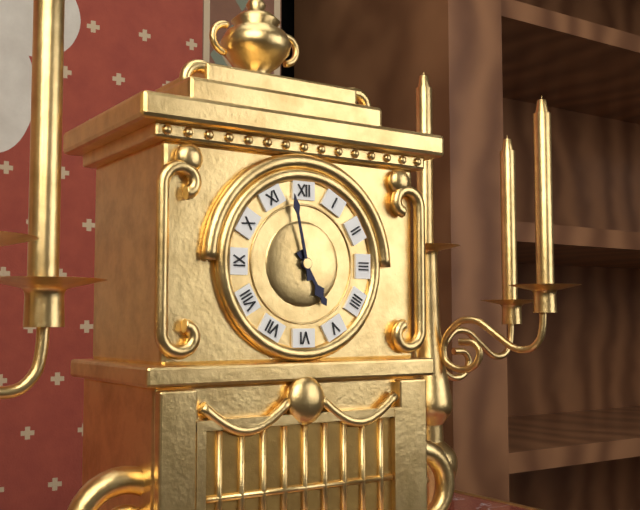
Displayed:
4:58
